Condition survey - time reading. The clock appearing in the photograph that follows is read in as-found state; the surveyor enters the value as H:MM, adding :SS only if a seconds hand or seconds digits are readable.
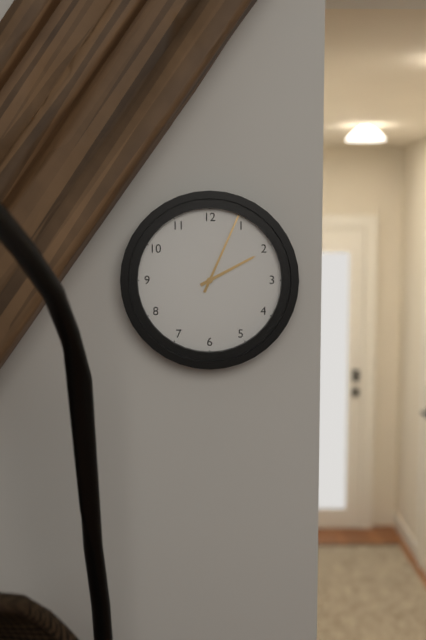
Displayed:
2:04
